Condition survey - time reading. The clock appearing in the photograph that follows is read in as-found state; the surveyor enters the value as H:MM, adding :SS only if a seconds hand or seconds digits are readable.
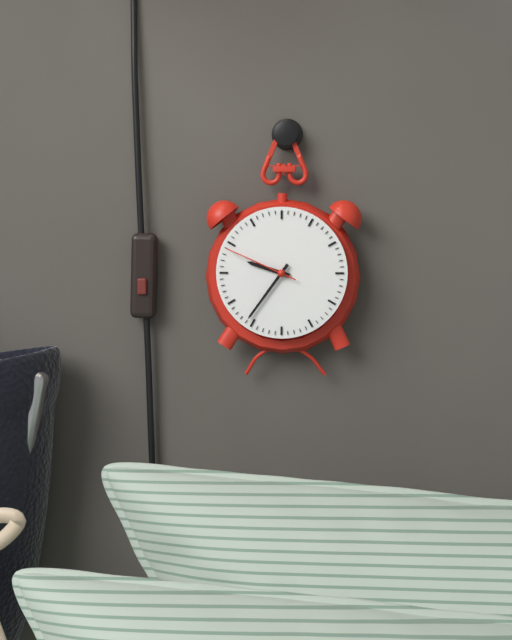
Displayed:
9:36:49
